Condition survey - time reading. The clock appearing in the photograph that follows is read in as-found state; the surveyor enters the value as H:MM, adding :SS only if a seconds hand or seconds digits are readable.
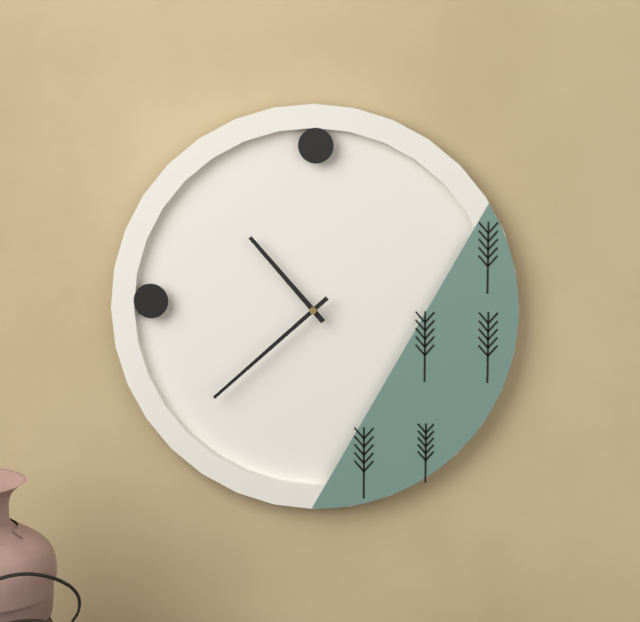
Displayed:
10:38
